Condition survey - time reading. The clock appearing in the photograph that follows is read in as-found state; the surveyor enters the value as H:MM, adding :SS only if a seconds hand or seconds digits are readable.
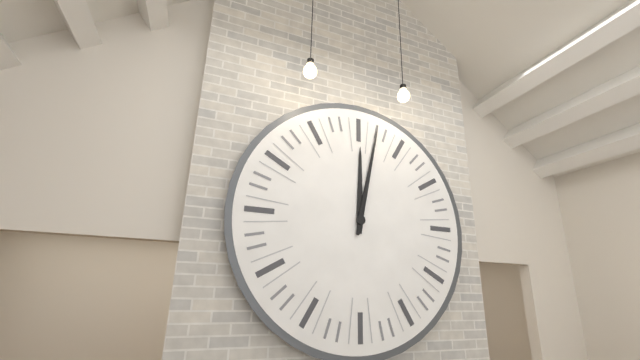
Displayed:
12:02
